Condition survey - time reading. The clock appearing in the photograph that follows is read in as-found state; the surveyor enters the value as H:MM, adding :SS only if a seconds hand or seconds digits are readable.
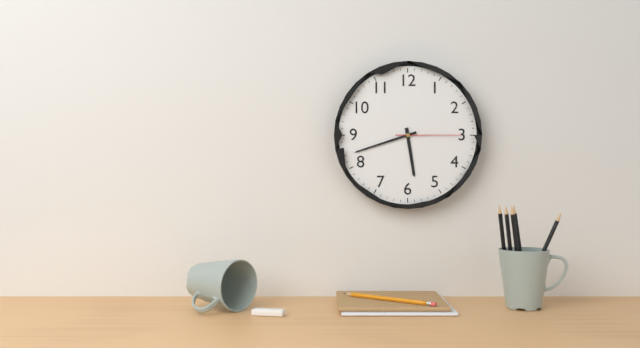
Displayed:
5:42:15
